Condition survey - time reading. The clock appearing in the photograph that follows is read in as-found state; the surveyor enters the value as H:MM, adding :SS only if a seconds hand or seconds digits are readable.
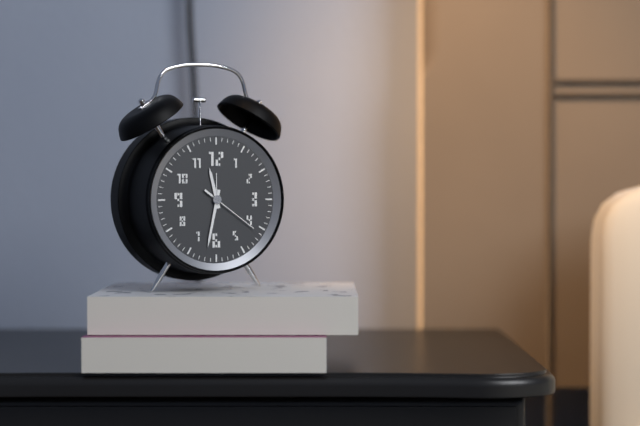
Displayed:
11:32:21
